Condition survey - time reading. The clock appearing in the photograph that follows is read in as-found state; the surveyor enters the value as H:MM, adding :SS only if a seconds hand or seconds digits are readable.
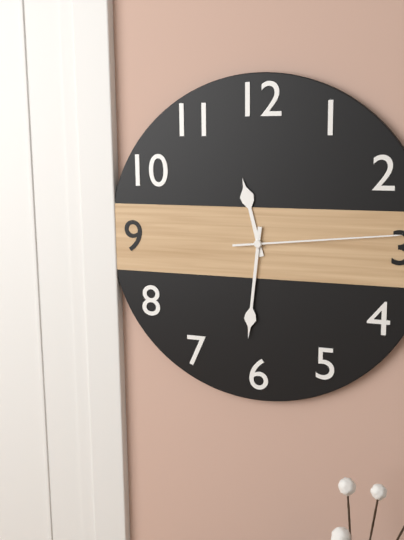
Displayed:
11:31:14
